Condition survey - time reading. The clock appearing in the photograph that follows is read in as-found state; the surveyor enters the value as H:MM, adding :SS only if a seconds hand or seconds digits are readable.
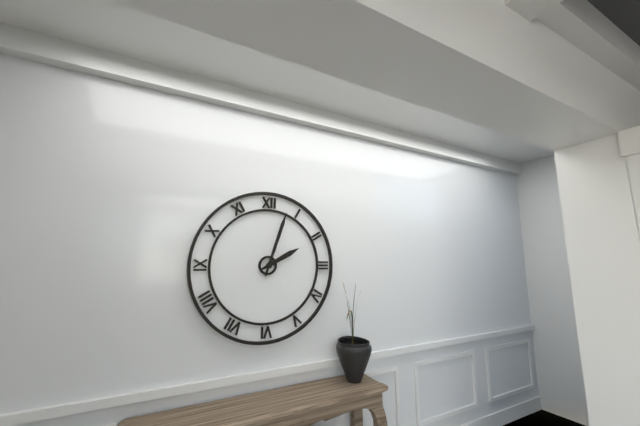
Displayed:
2:03
